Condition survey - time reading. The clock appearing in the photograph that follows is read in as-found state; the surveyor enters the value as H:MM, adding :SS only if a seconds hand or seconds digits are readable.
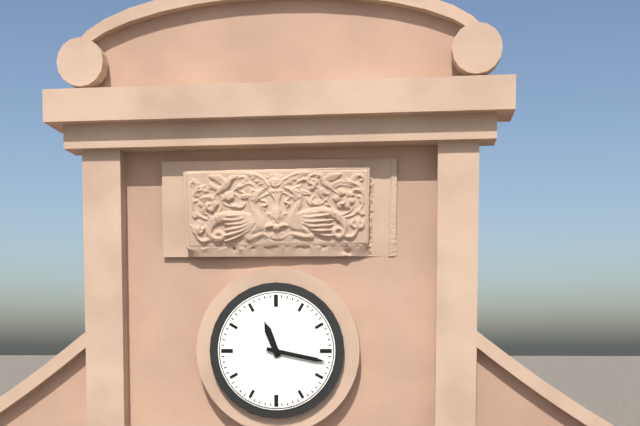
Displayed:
11:17
